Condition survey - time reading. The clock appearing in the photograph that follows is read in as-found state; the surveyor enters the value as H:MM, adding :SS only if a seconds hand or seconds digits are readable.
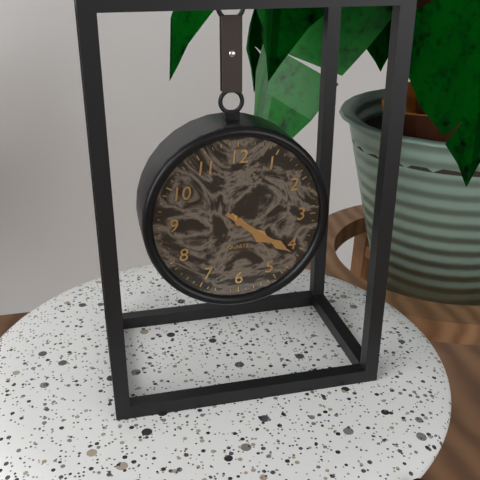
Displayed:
4:21
